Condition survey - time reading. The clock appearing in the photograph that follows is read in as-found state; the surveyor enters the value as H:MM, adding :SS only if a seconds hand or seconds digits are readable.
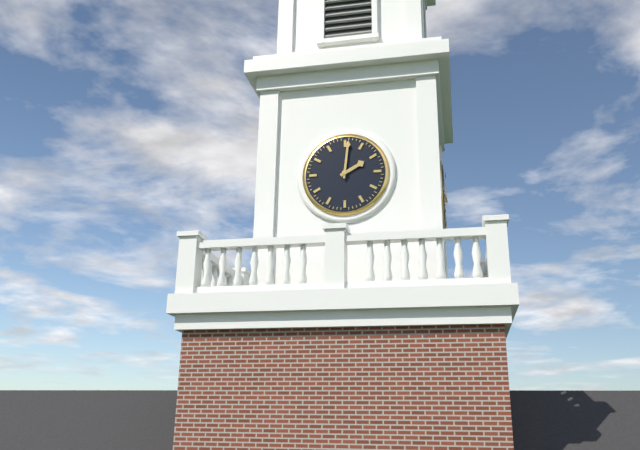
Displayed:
2:01
